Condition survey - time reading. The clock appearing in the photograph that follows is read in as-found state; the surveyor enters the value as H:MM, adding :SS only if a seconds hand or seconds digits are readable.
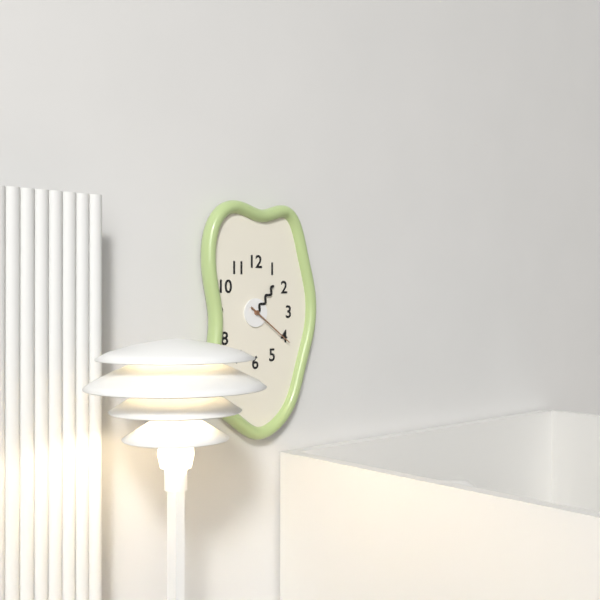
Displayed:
1:21
